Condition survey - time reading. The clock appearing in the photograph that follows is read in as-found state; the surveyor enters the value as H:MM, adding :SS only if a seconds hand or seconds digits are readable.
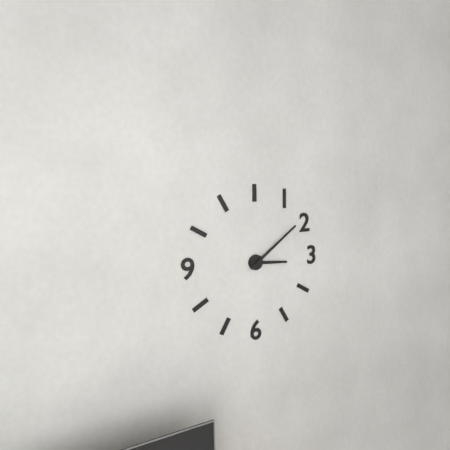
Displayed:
3:09
